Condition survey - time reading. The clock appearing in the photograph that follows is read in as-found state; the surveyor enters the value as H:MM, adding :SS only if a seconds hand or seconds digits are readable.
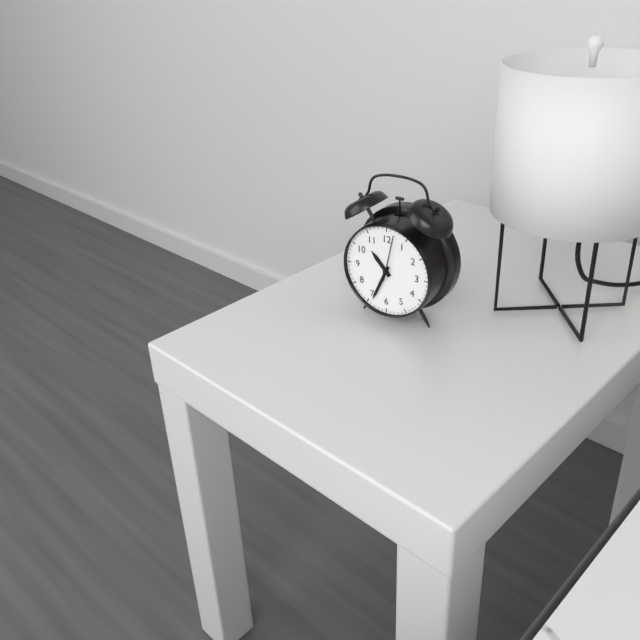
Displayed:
10:34
